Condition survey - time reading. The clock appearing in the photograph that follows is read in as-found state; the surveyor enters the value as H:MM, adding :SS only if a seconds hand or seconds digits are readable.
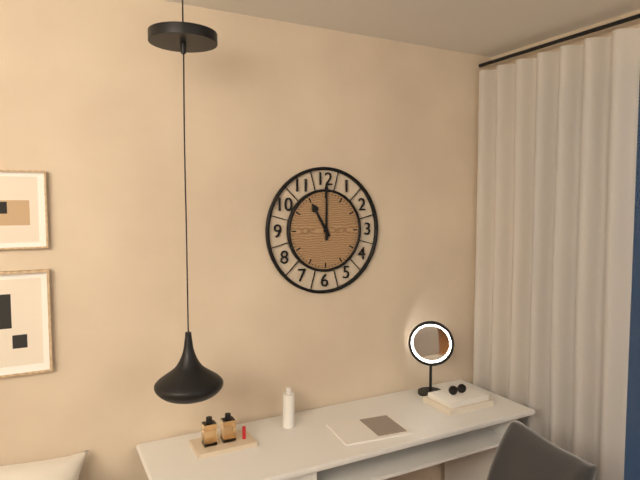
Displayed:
11:00
